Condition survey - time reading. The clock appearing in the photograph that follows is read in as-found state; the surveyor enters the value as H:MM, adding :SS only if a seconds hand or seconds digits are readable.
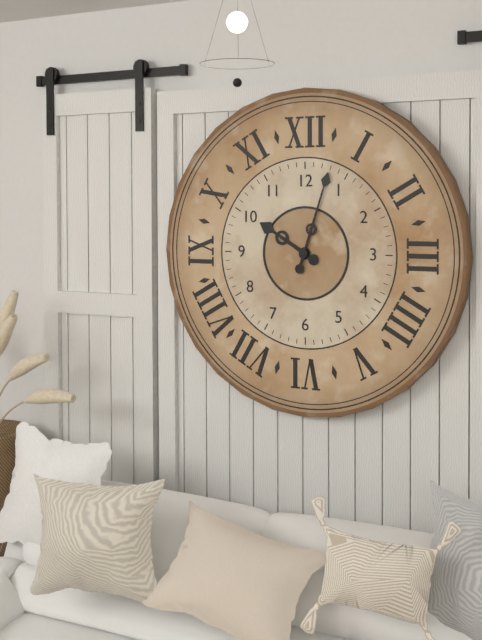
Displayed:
10:03
